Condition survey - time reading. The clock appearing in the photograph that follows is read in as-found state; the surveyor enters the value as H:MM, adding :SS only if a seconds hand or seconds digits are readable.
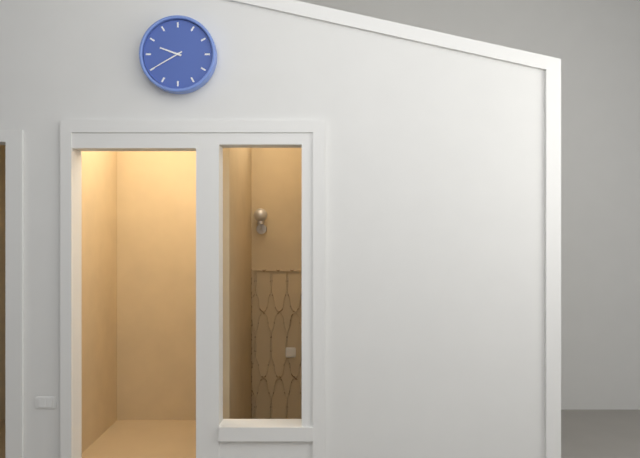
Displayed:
9:40
